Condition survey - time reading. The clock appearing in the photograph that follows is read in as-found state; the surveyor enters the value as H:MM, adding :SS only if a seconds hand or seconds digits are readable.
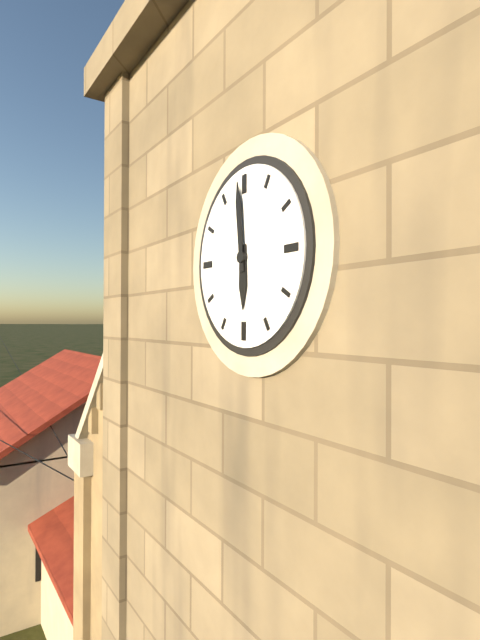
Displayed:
5:59
